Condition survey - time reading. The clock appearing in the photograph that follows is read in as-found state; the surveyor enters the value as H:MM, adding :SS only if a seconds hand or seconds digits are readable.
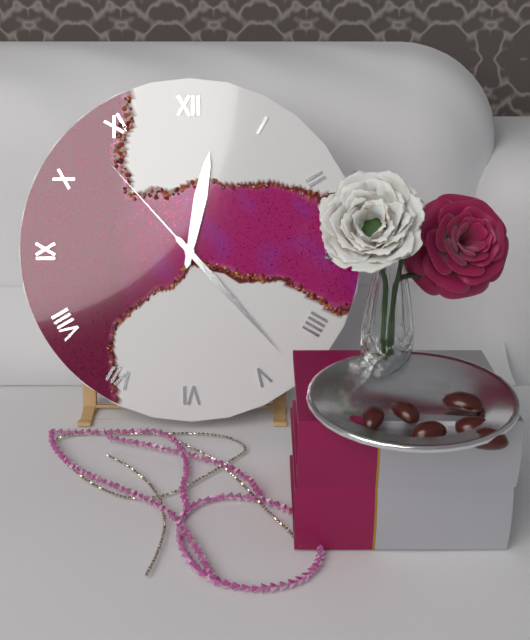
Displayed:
12:23:53
